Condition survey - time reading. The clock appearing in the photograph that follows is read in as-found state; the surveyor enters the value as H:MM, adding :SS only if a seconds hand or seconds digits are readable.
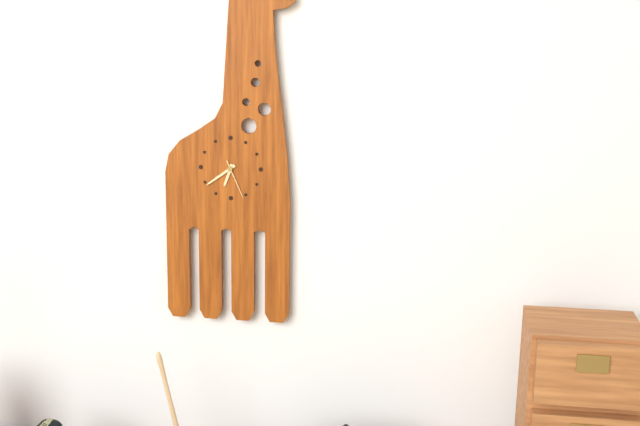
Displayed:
6:39
